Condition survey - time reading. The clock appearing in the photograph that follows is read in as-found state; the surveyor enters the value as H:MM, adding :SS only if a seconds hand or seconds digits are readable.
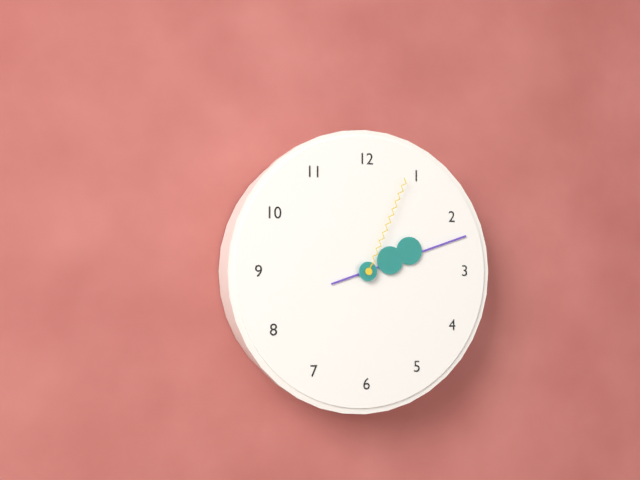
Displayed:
2:12:04
